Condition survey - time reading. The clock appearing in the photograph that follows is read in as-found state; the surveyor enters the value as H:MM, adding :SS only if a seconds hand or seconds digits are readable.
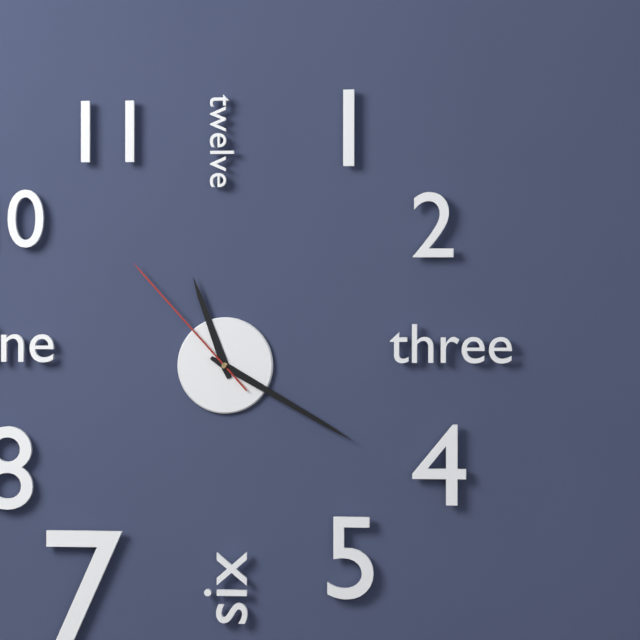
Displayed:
11:20:53
